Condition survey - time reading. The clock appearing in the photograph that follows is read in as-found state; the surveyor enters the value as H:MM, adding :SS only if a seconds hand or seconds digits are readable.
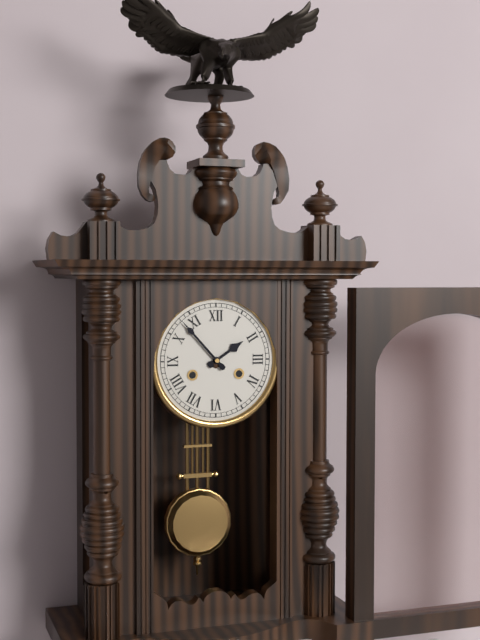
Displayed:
1:53
